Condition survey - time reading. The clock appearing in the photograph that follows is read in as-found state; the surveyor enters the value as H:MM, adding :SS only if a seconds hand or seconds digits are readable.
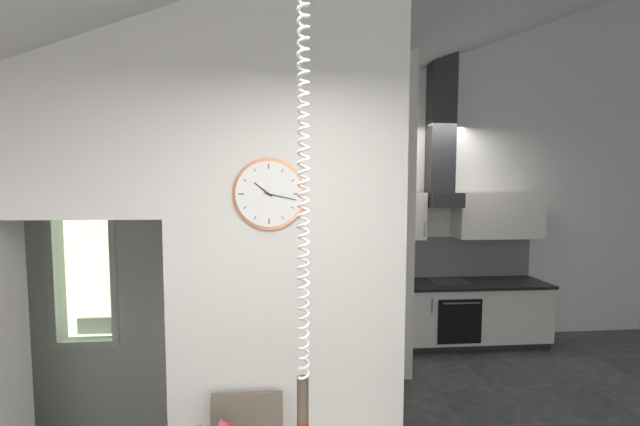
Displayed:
10:17
